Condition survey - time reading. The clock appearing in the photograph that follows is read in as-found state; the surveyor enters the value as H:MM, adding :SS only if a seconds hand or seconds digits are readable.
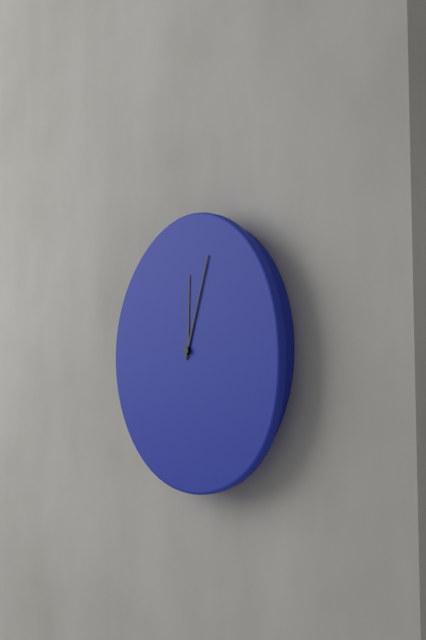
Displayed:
12:03
